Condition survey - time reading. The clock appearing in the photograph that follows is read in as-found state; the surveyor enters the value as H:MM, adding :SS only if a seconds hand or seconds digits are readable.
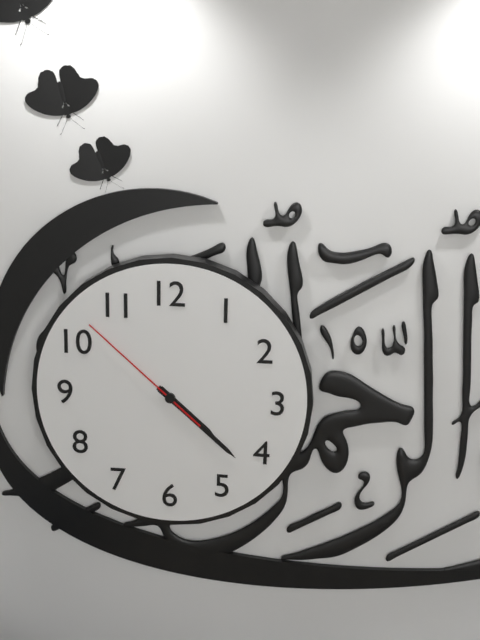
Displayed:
4:22:52
